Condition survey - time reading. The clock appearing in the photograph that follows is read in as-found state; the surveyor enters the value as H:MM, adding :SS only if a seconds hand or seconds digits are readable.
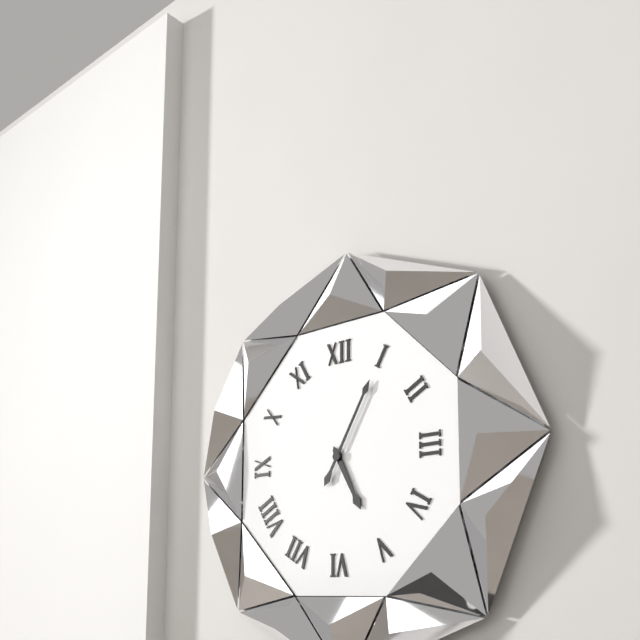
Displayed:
5:05
